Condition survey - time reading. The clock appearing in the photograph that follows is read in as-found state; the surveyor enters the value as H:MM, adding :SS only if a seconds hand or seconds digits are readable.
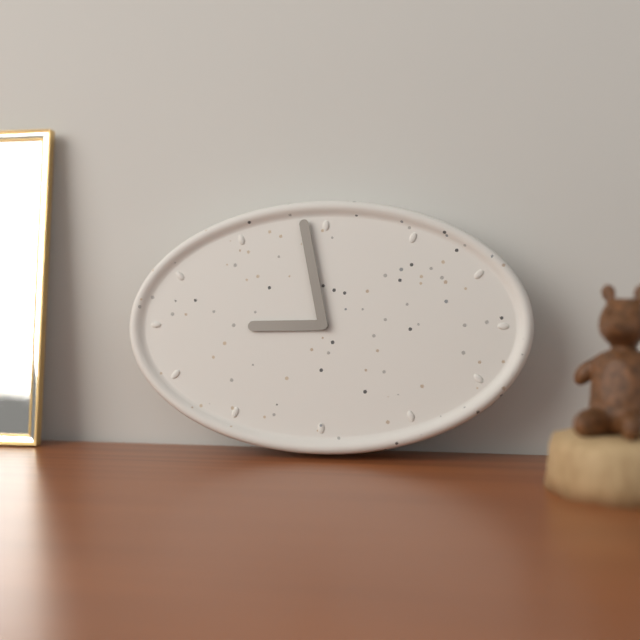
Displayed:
8:58
